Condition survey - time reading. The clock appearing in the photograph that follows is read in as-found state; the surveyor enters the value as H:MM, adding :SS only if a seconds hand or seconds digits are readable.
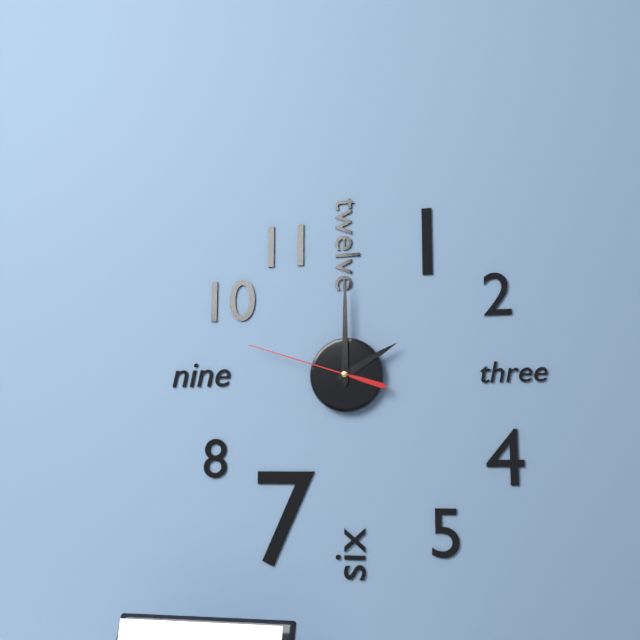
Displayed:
2:00:48
